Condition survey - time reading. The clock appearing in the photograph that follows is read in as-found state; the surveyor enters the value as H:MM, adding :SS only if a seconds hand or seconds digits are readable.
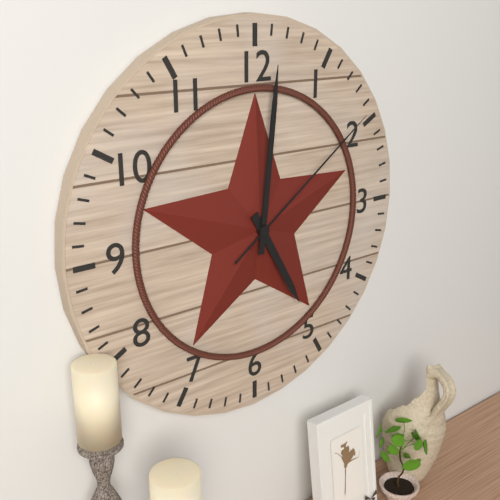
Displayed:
5:01:09
